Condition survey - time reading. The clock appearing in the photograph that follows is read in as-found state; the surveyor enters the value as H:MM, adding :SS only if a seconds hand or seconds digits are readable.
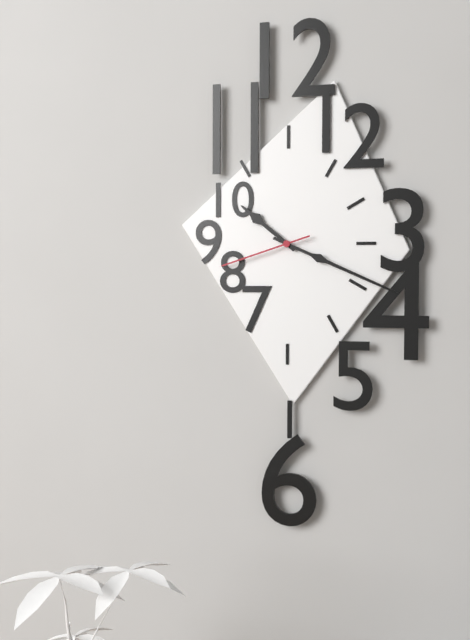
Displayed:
10:19:42
